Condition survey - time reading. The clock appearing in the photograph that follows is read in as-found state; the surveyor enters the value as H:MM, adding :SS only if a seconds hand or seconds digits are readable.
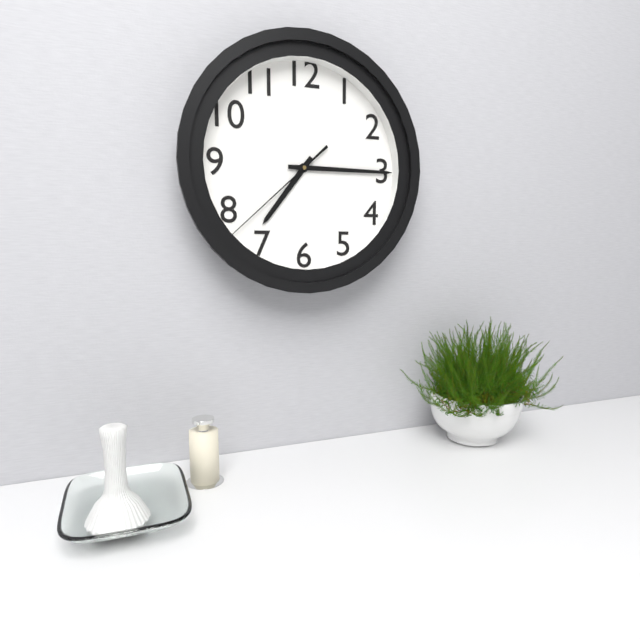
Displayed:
7:15:38
